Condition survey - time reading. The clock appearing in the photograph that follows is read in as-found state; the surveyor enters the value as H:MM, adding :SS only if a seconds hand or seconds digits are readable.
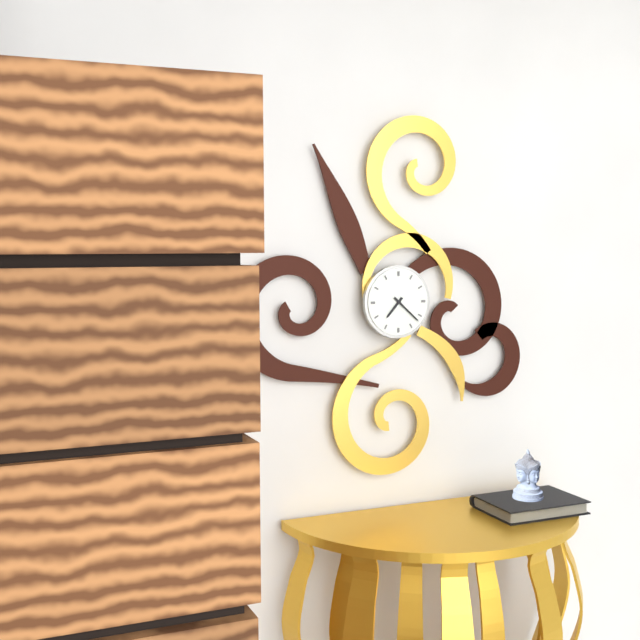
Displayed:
7:22
